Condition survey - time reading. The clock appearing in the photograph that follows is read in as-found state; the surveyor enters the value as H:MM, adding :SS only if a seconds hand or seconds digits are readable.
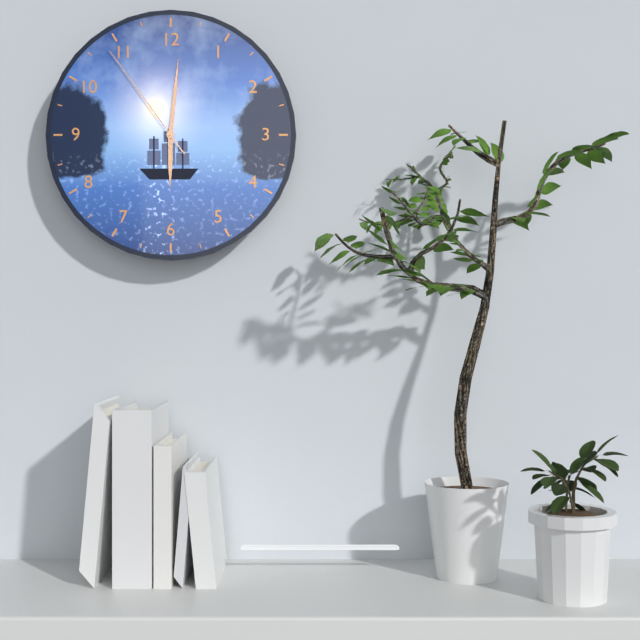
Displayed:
6:01:54
